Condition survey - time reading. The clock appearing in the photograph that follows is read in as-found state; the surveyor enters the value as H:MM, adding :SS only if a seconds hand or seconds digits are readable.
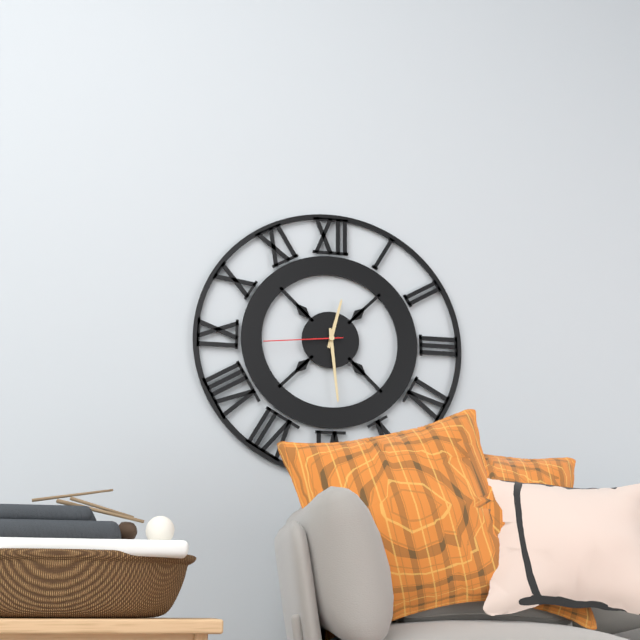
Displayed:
12:29:44
